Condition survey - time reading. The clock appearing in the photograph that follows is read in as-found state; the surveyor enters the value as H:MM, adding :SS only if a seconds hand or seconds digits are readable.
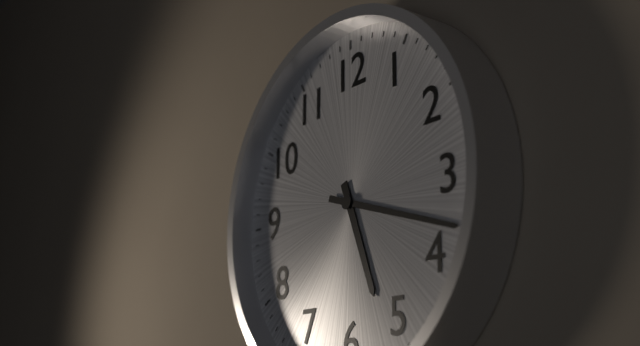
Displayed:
5:18
